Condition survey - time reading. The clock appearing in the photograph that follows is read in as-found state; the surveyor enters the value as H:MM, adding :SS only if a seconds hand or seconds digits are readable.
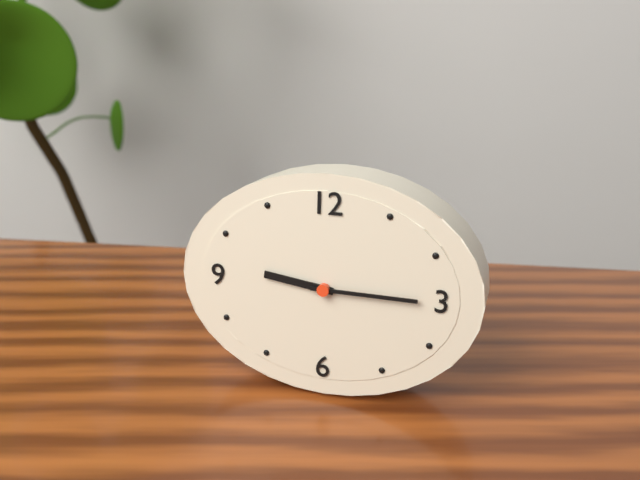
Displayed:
9:15
